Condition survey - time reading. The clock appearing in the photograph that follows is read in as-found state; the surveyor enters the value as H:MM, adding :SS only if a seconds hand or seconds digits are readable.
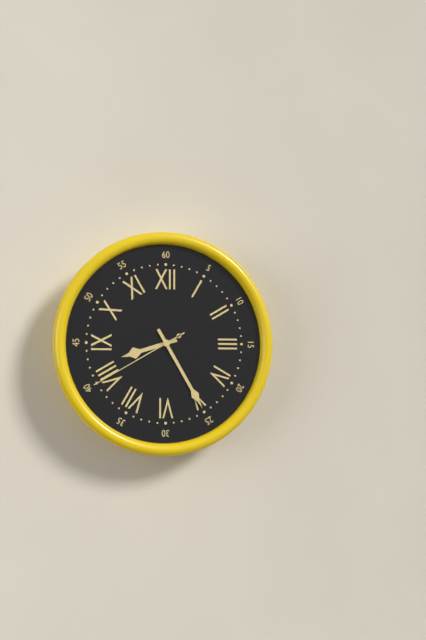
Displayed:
8:25:40
